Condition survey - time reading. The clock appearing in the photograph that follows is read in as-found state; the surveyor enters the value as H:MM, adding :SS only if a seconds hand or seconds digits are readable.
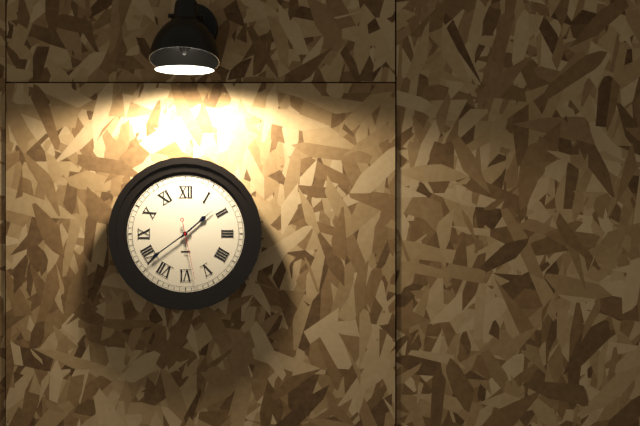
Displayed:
1:39:28
